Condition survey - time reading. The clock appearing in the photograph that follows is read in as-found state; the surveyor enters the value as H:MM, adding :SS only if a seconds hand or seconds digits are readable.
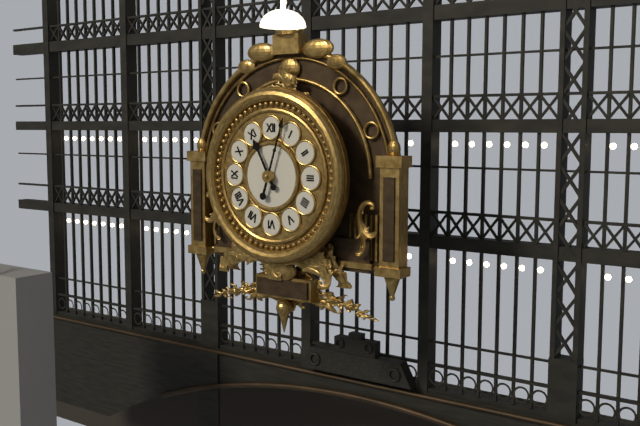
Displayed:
11:03
